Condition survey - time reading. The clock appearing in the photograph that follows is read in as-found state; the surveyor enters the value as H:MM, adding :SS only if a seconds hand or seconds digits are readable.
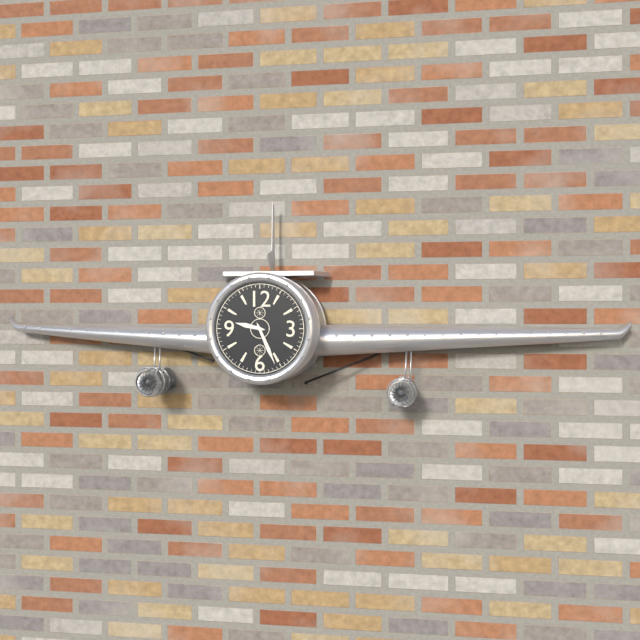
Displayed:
9:26
